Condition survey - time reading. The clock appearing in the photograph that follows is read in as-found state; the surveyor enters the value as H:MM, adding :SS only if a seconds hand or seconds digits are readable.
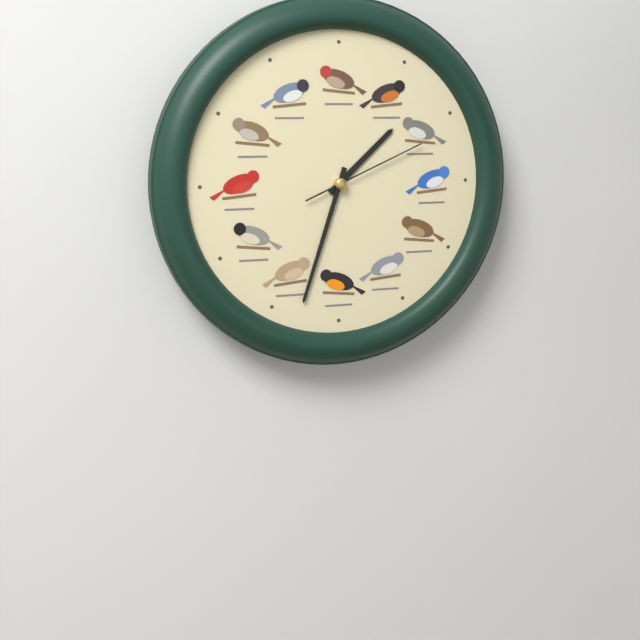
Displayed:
1:33:11
